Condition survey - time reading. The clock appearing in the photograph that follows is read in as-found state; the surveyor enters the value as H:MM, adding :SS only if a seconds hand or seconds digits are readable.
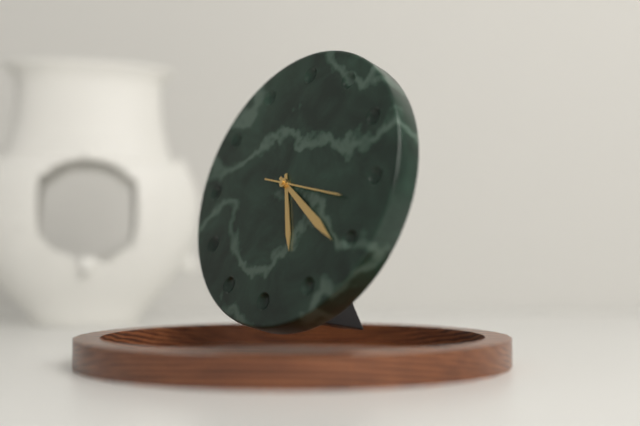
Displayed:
5:21:17
